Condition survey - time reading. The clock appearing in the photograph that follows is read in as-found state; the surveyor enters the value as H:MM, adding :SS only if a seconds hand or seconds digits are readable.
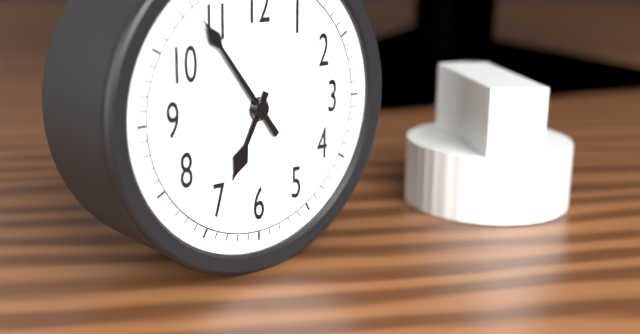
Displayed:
6:54
